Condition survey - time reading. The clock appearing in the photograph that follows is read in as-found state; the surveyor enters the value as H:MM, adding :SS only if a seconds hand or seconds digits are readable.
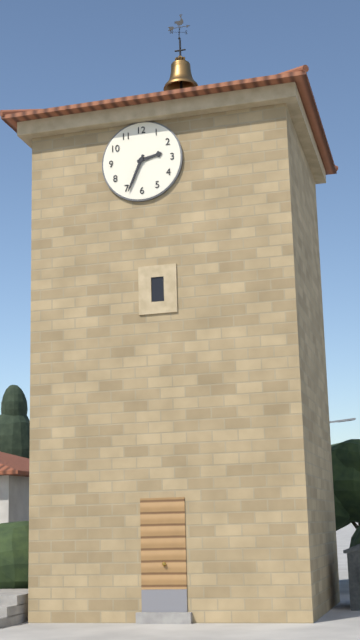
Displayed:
2:34
